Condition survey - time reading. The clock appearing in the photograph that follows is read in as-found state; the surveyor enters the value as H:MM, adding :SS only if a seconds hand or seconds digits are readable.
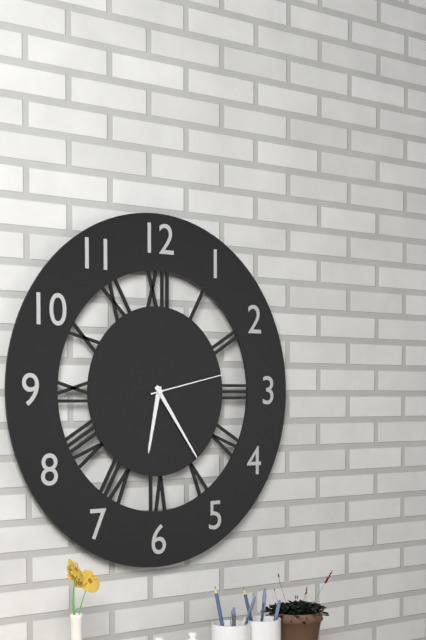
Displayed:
6:24:13
